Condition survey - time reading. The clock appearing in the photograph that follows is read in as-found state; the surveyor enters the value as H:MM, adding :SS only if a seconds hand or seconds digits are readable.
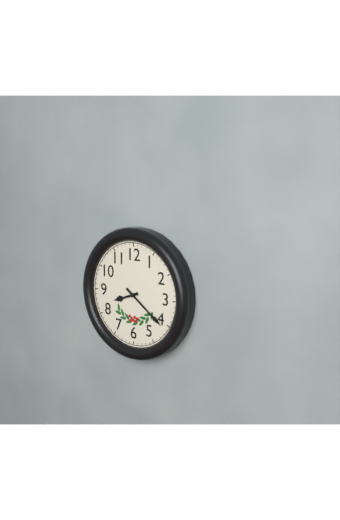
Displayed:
8:21
